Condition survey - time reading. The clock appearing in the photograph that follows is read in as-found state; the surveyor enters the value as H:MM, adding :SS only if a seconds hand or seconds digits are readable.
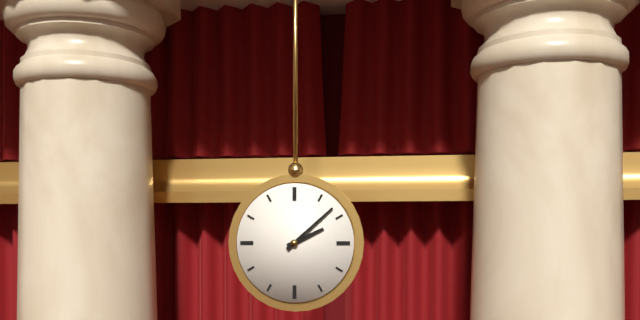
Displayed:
2:08
